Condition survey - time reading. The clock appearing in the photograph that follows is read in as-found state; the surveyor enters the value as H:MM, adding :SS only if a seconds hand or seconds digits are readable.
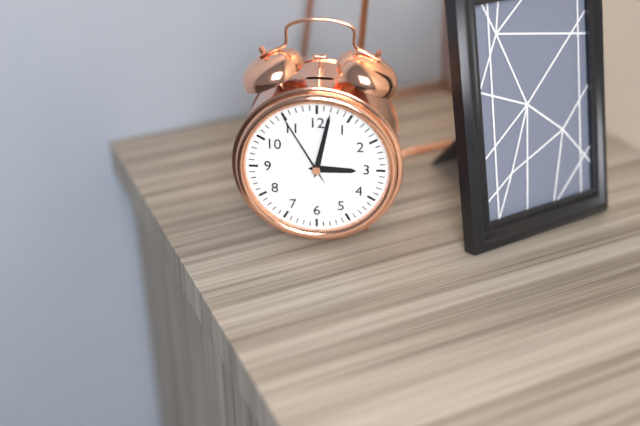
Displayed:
3:02:55
